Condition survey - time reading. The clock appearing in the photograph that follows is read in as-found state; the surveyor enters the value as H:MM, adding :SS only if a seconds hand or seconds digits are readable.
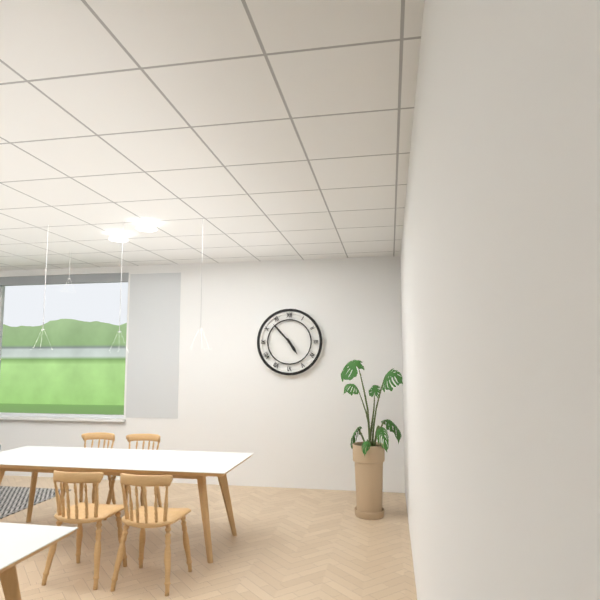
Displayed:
4:53
